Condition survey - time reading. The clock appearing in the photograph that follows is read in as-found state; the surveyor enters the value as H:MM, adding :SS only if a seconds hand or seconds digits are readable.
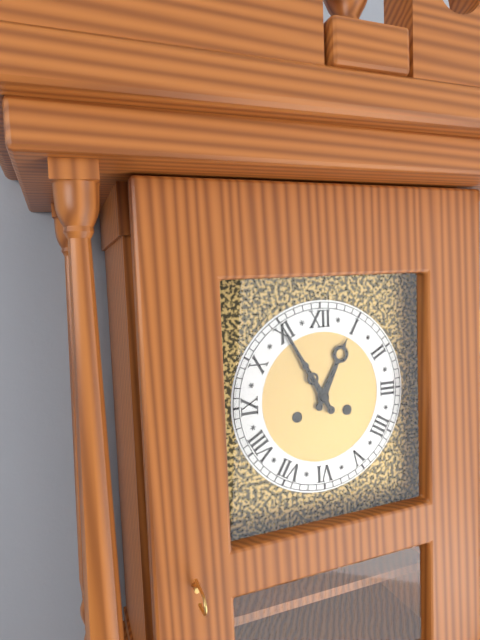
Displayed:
12:55
